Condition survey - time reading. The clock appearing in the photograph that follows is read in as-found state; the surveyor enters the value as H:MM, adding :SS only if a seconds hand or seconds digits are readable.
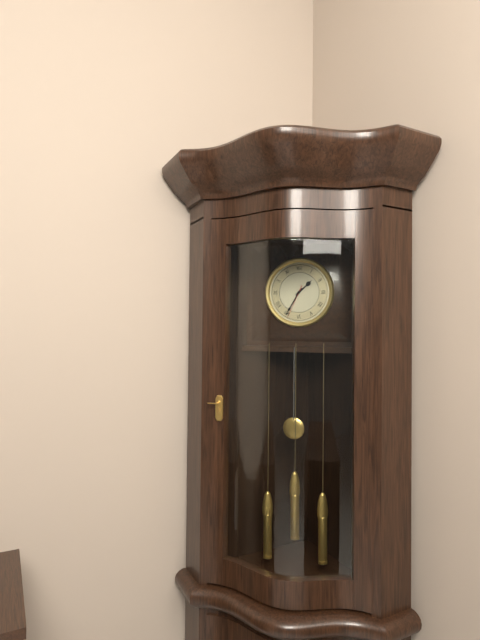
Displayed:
1:35
